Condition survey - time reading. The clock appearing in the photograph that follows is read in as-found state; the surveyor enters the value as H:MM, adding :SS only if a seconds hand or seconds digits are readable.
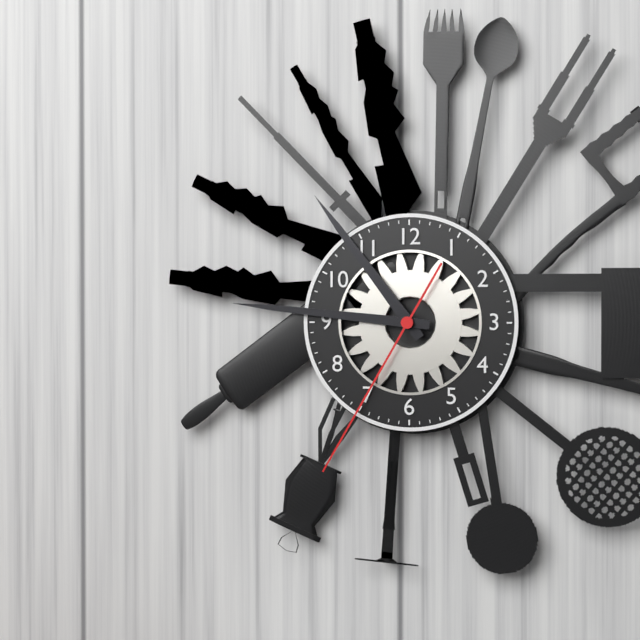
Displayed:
10:46:35
